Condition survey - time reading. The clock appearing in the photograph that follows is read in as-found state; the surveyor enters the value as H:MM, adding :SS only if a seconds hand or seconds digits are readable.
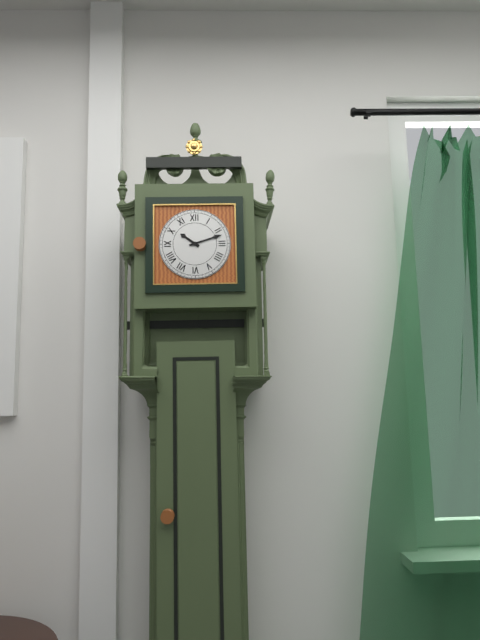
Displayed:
10:12
